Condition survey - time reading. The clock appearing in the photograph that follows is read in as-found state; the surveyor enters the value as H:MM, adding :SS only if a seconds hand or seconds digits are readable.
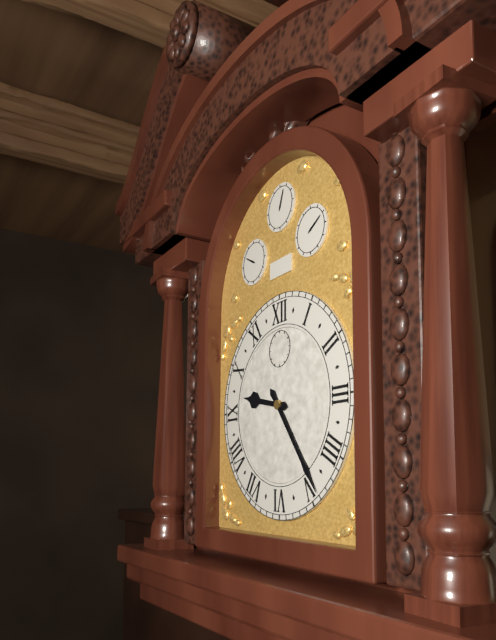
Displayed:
9:24
